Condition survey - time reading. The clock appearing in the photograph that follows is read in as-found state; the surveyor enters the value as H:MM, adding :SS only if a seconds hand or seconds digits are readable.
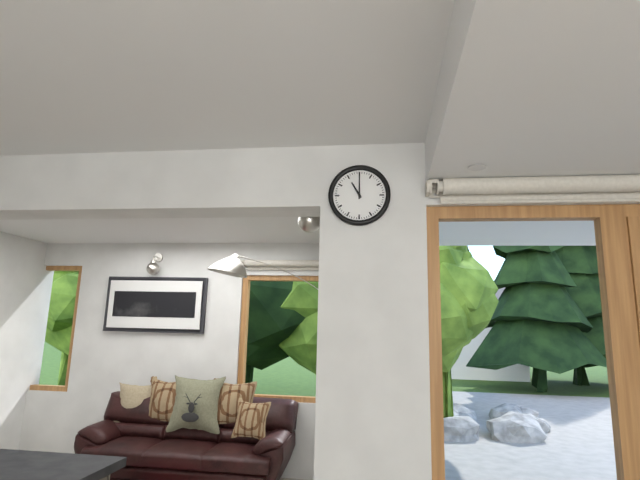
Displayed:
11:00
